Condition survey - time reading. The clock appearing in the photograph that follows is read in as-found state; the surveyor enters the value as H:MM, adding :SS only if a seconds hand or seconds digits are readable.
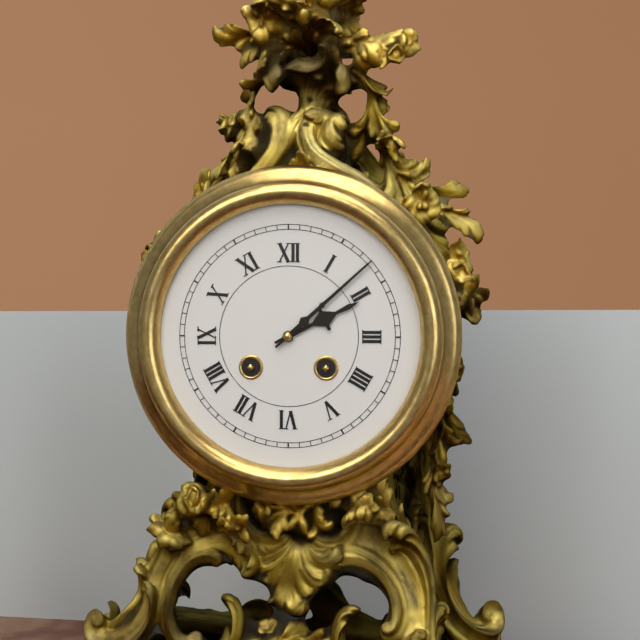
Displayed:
2:08
